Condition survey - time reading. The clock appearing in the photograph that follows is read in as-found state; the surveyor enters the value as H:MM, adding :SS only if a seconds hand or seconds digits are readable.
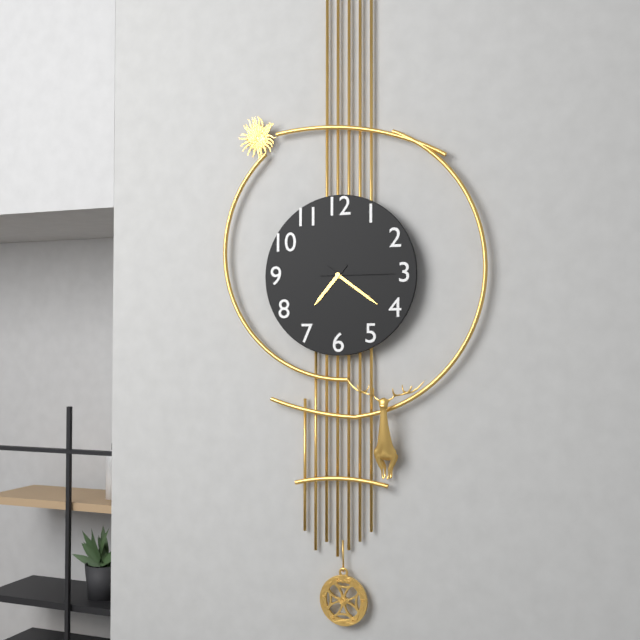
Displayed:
7:21:15
